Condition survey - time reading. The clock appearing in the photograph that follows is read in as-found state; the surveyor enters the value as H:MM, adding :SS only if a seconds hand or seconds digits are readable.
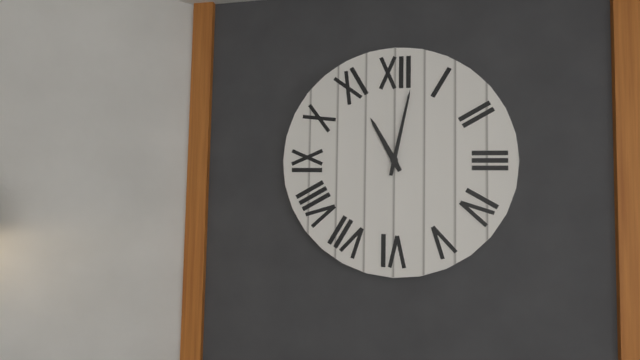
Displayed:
11:02
